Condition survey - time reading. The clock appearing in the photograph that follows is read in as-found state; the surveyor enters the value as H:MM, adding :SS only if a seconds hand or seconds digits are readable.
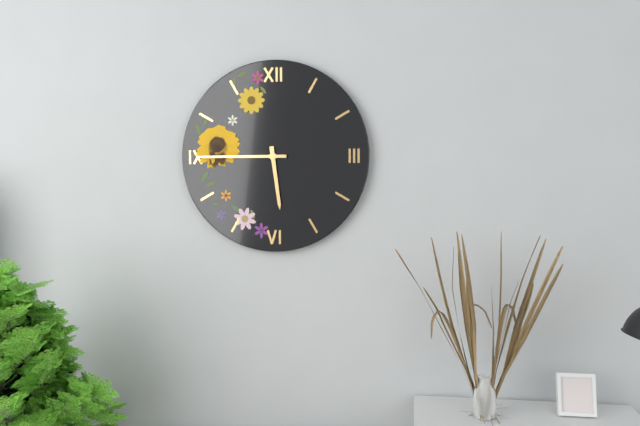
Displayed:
5:45
